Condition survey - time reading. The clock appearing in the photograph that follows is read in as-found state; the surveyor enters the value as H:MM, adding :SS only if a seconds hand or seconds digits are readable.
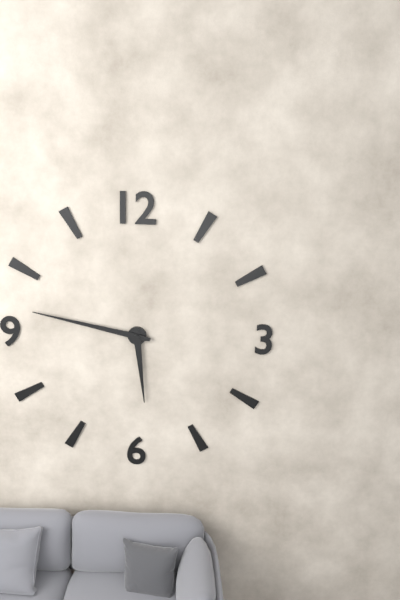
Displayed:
5:47
